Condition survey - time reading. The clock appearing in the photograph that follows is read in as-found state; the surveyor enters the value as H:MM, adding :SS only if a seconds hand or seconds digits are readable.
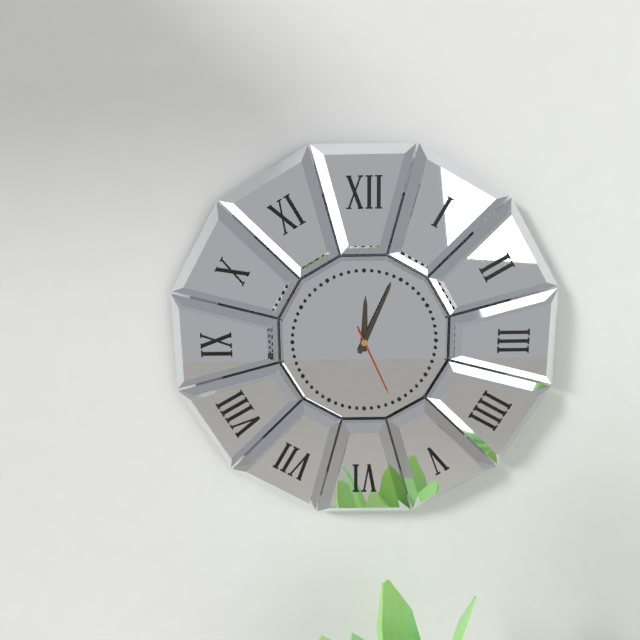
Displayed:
12:04:26
